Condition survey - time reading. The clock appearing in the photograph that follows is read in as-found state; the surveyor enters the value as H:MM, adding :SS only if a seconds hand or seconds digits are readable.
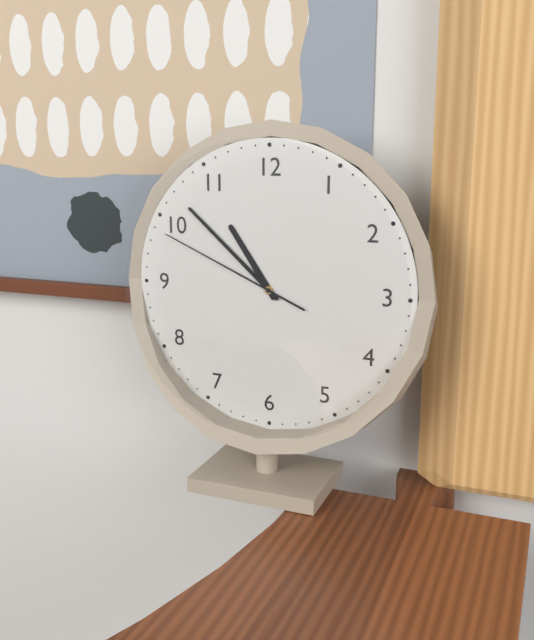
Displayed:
10:52:49
